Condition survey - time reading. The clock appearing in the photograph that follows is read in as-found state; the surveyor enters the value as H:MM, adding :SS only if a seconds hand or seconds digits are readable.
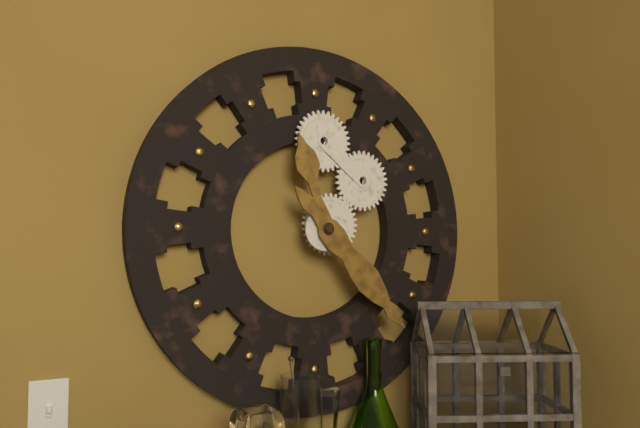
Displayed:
11:23
